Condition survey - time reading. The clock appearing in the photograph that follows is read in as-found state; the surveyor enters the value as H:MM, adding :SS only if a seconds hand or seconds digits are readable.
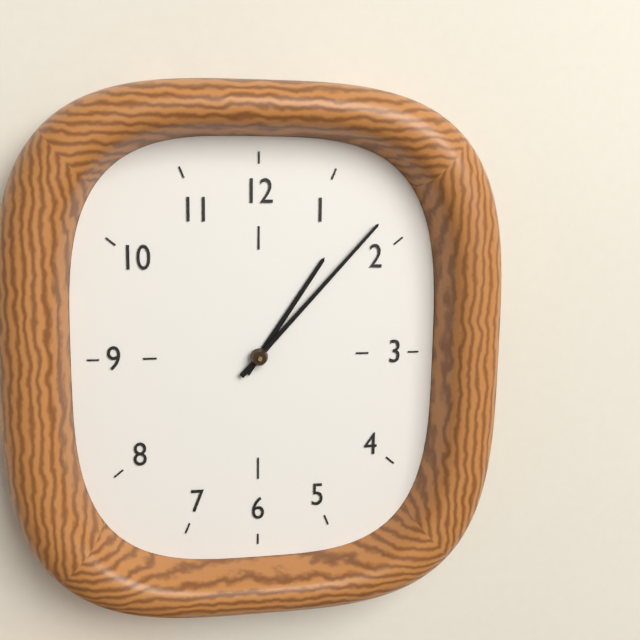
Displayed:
1:07
